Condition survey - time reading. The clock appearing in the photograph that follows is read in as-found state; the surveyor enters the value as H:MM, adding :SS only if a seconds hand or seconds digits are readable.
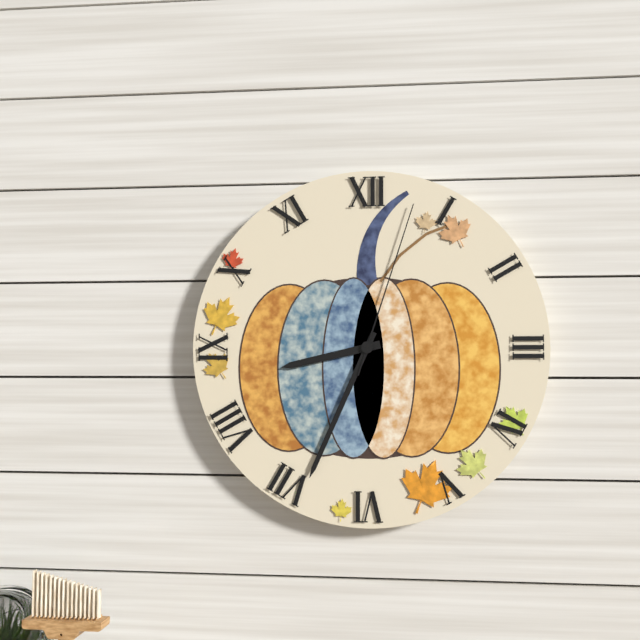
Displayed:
8:34:03
